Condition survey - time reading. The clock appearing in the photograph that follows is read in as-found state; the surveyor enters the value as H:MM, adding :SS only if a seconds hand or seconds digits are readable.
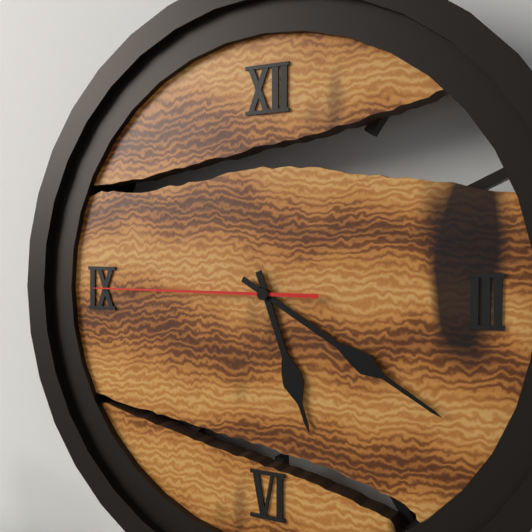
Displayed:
5:20:45
